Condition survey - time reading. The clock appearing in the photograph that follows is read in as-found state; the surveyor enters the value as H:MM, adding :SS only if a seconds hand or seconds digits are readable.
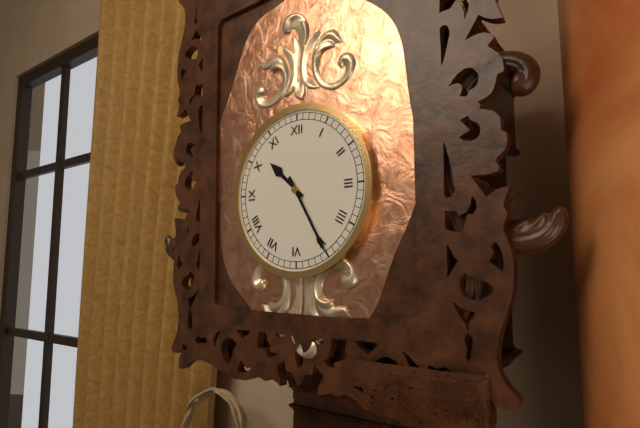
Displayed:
10:25
